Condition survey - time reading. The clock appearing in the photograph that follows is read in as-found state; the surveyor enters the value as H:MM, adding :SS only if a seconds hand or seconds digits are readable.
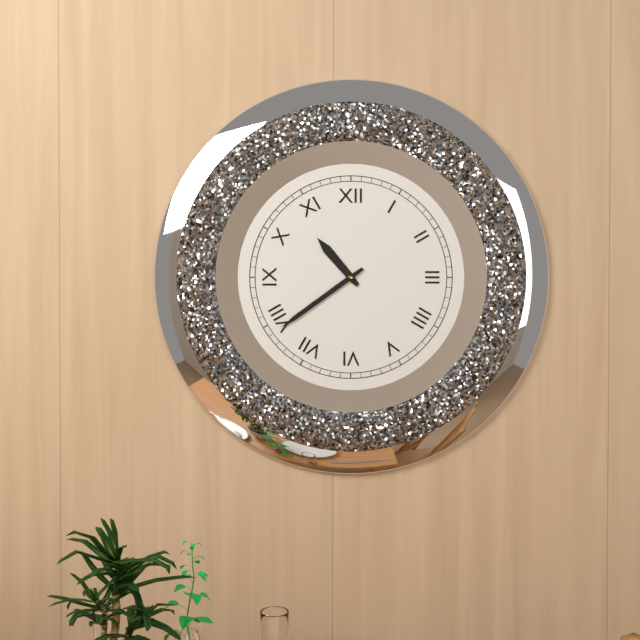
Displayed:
10:39
